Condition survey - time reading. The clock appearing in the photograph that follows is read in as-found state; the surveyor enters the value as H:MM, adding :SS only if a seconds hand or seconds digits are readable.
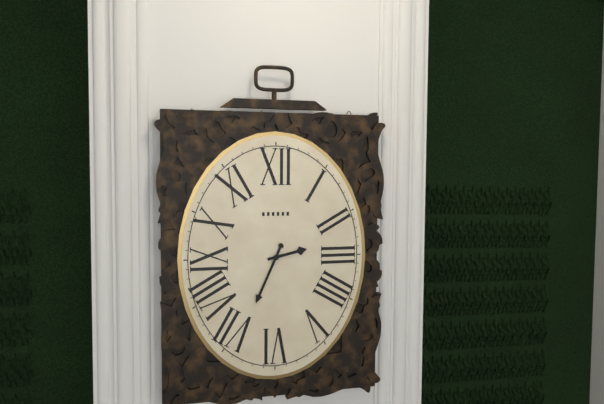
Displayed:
2:34
